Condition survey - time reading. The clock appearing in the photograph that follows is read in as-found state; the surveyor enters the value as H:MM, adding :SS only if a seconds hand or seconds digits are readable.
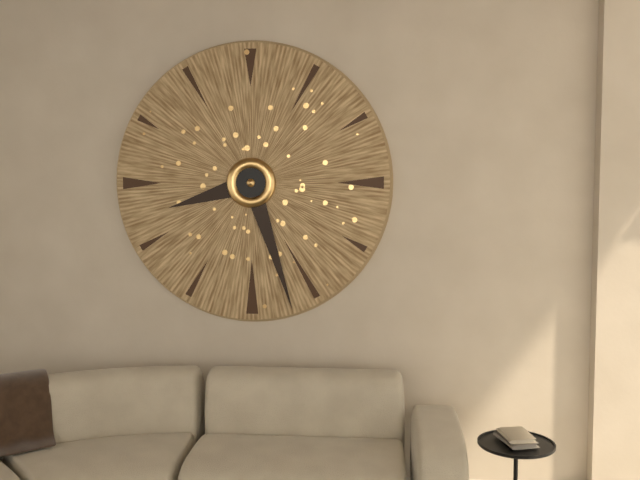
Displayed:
8:27
